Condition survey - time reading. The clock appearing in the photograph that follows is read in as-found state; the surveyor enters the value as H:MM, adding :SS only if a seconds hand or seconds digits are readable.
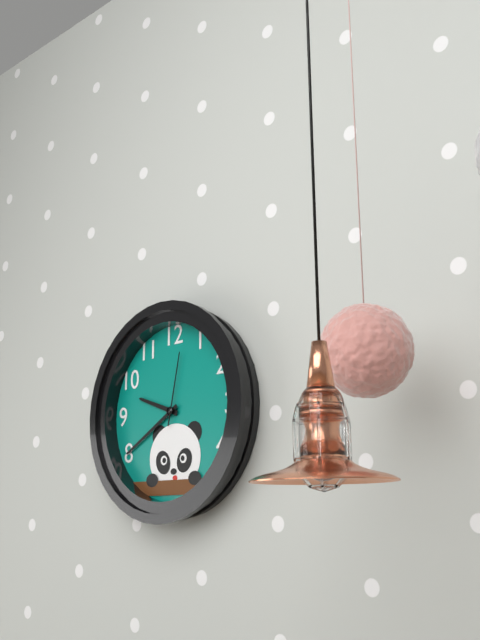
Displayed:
9:40:02
